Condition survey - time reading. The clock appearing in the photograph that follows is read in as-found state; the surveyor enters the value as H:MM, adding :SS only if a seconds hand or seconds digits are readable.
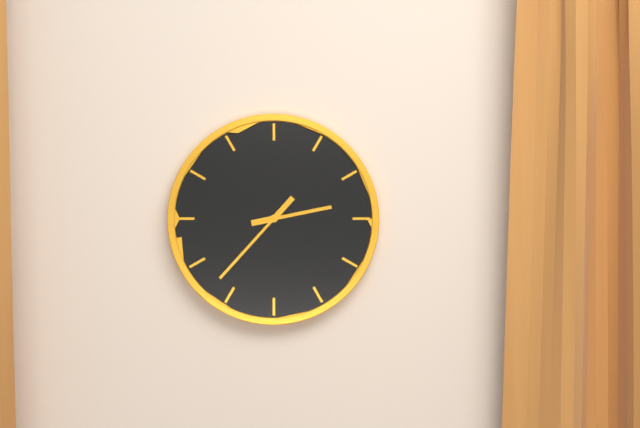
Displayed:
2:37
